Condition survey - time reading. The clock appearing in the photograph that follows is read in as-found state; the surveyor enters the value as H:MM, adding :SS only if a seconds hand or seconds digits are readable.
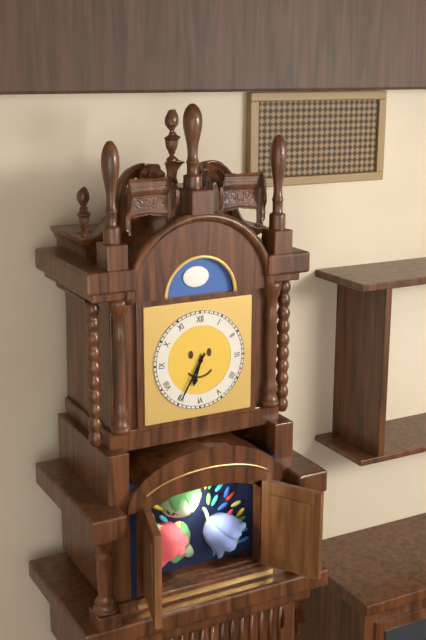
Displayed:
6:35
